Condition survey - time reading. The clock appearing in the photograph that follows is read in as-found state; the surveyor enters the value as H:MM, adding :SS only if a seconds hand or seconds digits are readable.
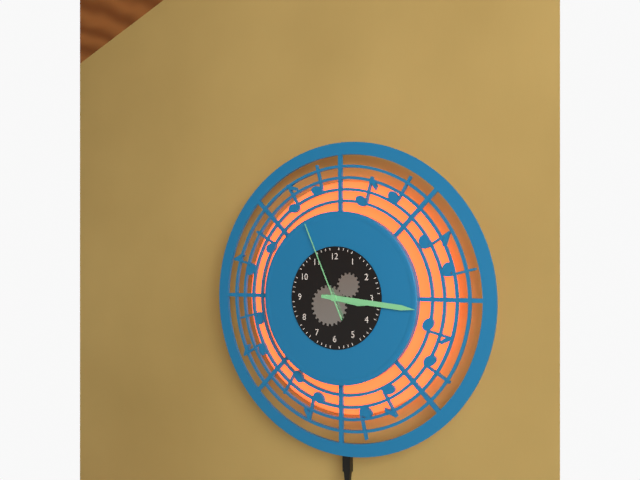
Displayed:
3:16:56
